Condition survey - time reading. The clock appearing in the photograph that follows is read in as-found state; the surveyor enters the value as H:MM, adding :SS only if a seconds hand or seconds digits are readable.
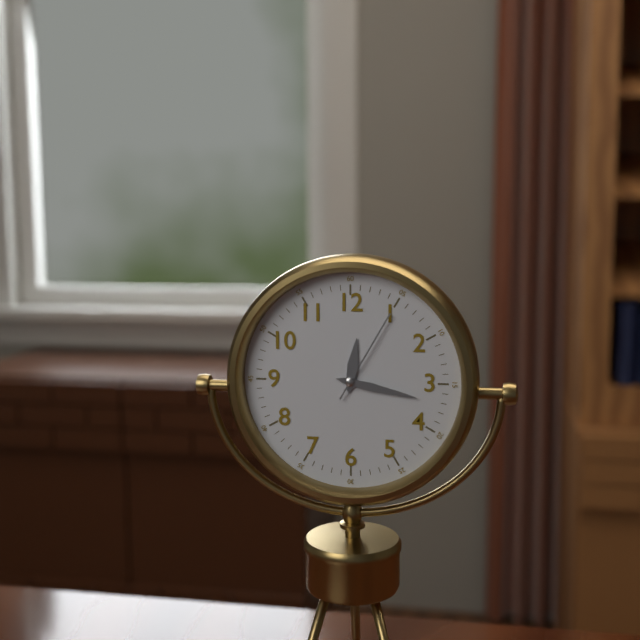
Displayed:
12:17:05
